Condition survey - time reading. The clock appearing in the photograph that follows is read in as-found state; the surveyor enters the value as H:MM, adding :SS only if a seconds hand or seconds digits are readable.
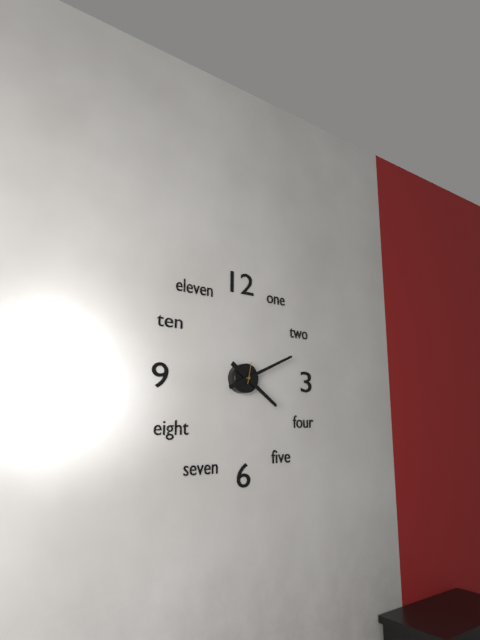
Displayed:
4:11
